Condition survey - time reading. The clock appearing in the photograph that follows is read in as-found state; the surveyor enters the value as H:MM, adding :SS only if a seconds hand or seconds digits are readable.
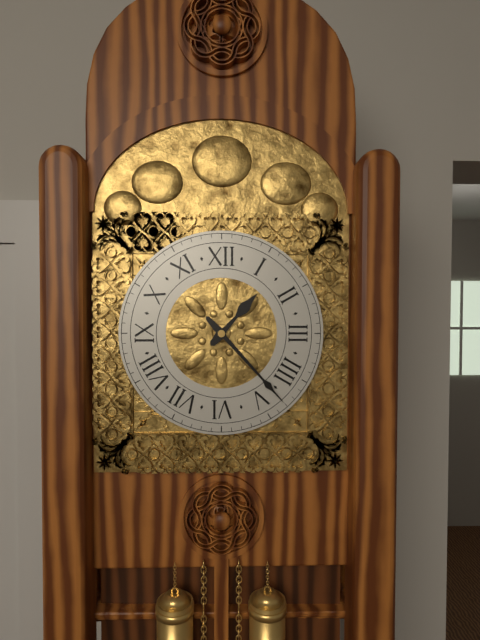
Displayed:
1:23
